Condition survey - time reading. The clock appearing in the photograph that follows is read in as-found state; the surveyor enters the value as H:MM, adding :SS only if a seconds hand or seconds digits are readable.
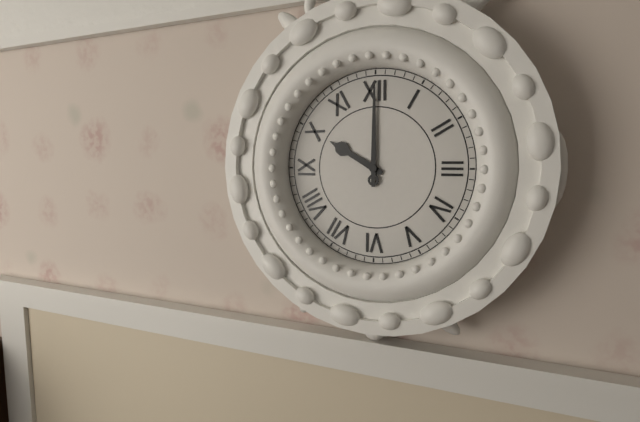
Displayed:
10:00
